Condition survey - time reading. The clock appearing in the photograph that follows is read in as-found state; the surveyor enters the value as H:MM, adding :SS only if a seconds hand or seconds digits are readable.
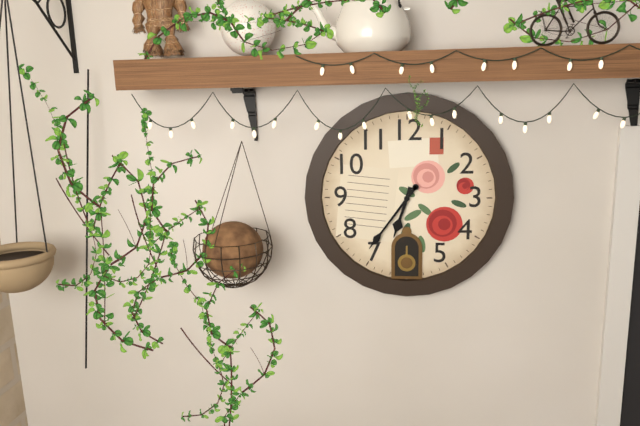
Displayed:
6:36
